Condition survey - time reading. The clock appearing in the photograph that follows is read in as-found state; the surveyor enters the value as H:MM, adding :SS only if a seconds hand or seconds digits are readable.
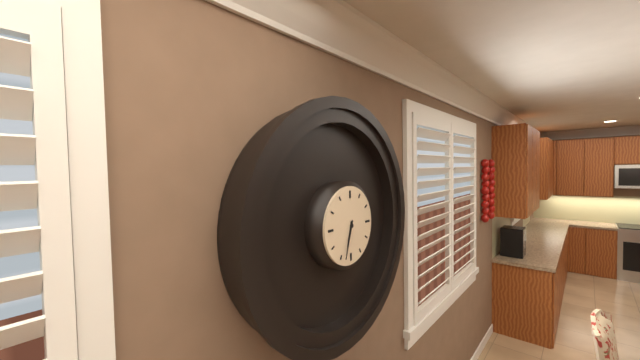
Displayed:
6:33
